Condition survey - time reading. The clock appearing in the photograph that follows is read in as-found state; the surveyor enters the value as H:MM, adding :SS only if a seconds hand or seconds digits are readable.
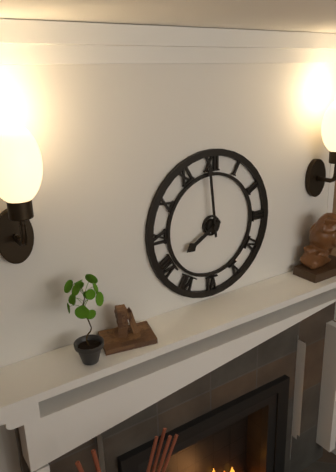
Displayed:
7:59
